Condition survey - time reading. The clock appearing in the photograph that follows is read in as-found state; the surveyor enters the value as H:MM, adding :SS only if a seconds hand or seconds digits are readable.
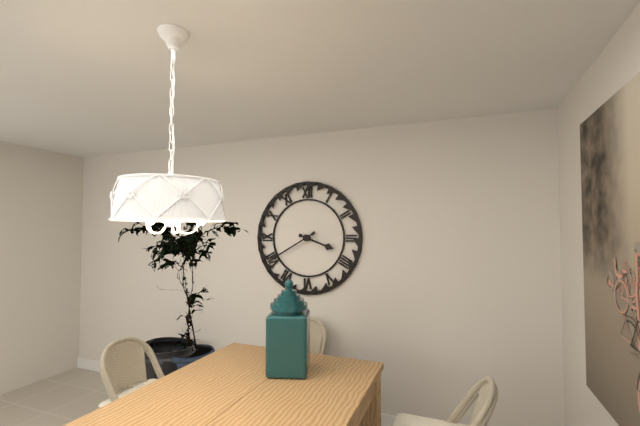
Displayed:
3:40
